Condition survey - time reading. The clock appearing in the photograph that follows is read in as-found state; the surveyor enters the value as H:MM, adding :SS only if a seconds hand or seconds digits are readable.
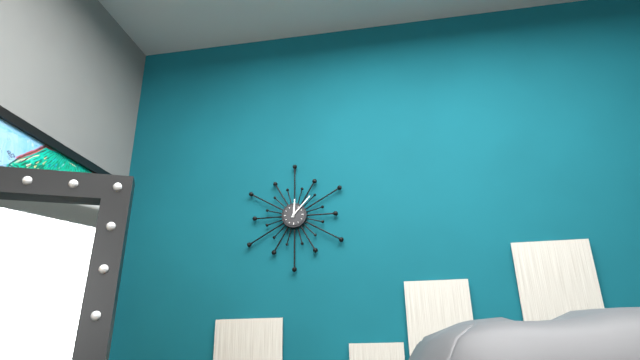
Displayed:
12:07
